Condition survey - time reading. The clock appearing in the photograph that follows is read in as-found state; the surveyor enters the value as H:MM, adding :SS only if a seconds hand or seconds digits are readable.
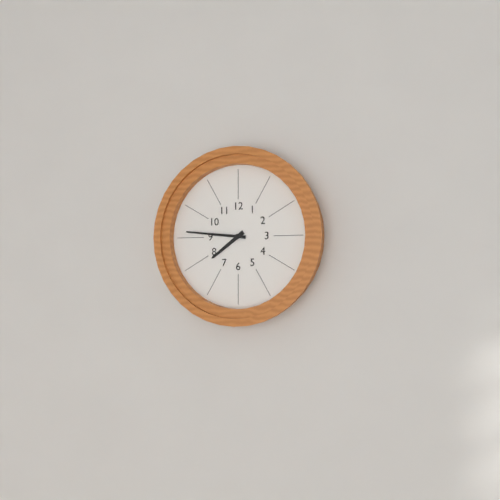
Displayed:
7:46
